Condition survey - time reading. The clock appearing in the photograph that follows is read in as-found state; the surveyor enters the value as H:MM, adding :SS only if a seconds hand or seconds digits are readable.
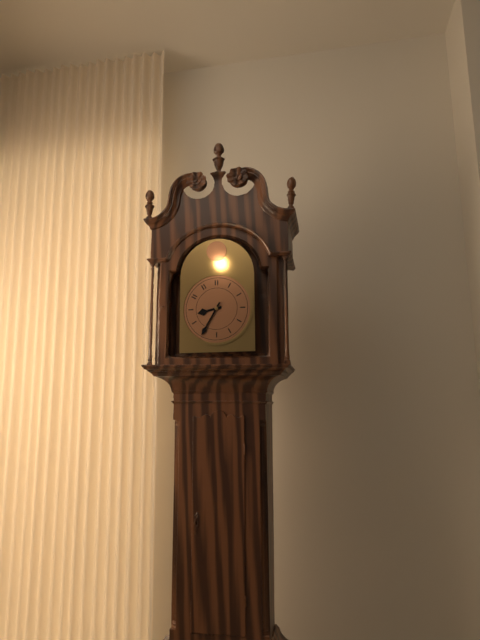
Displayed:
8:35
